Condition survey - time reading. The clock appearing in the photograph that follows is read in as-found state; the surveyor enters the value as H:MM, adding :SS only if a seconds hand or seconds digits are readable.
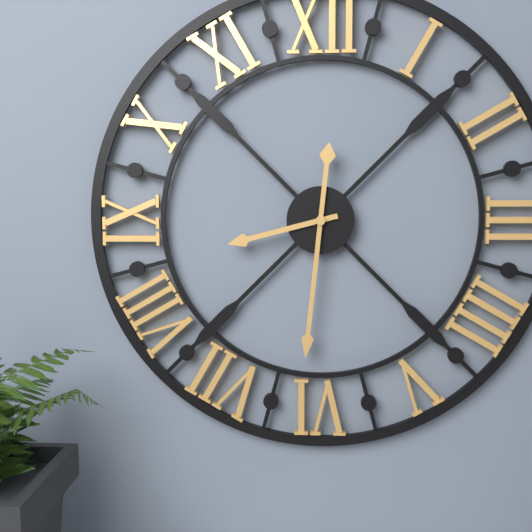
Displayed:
8:31
